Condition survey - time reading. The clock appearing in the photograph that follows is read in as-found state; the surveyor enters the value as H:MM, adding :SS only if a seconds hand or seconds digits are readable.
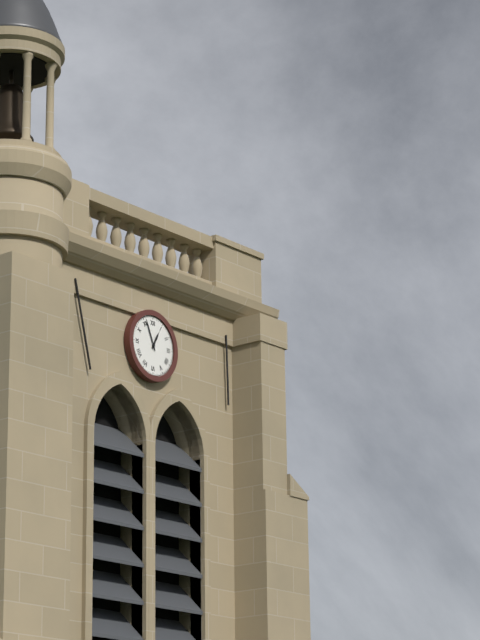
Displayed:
12:56
